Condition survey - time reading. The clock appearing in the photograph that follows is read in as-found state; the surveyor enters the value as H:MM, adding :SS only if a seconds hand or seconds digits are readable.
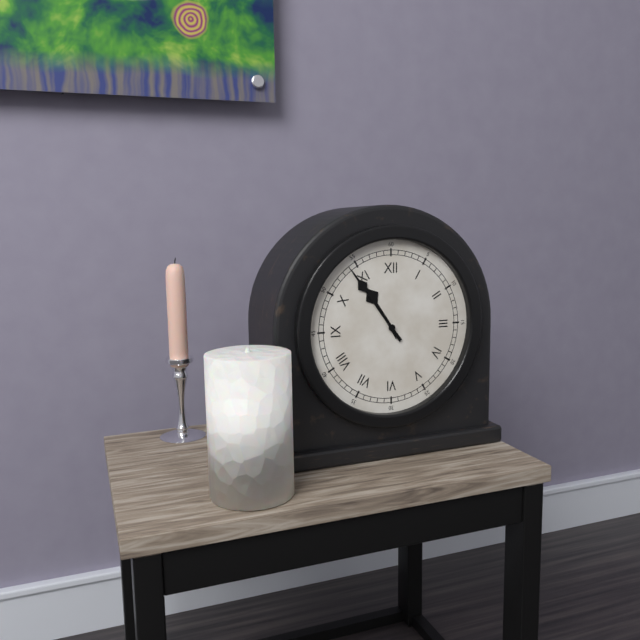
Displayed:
10:54
